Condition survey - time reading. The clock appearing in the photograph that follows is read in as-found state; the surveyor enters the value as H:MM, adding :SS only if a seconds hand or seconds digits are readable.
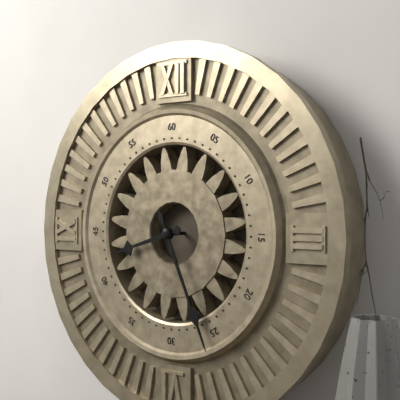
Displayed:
8:26
